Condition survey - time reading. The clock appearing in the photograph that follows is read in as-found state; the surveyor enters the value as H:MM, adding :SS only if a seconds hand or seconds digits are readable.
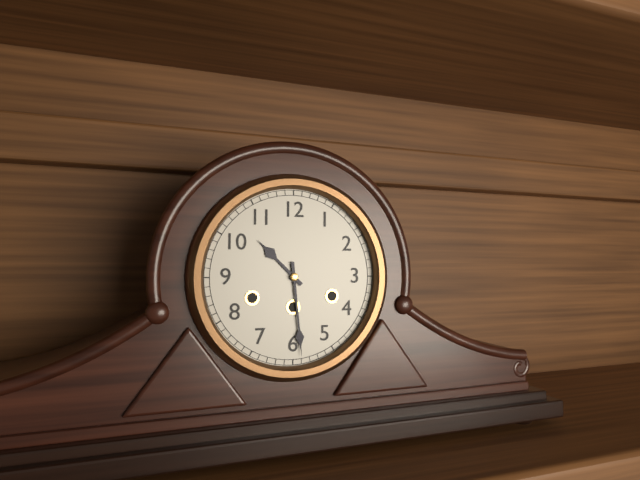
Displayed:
10:29
